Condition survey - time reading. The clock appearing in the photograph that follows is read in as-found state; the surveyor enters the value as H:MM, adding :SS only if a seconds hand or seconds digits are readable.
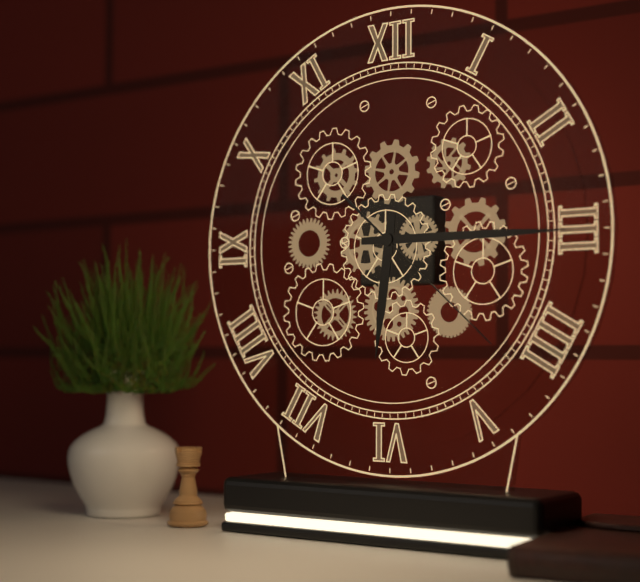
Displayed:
6:15:22
